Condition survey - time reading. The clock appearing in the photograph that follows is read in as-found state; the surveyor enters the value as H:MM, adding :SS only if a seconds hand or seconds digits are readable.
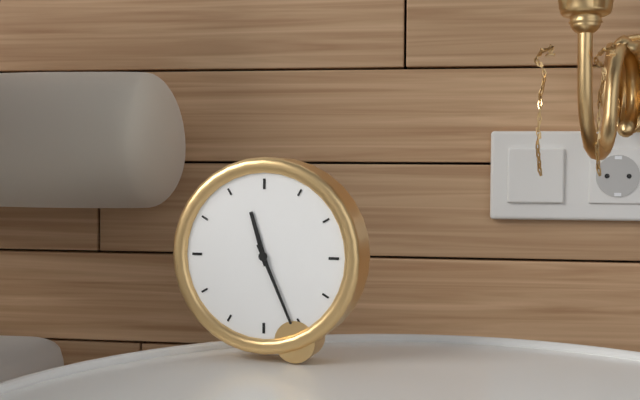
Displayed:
11:26
